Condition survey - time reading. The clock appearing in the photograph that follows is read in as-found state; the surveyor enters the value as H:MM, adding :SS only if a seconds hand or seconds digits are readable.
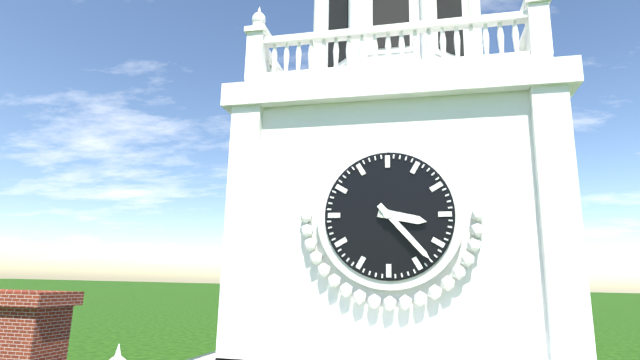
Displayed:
3:23
